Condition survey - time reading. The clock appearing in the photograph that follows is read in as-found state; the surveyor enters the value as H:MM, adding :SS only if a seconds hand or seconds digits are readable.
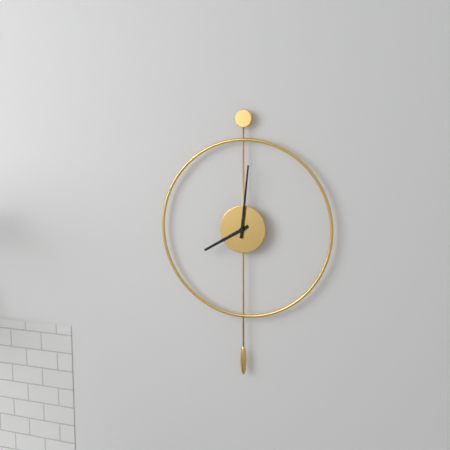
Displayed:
8:01
